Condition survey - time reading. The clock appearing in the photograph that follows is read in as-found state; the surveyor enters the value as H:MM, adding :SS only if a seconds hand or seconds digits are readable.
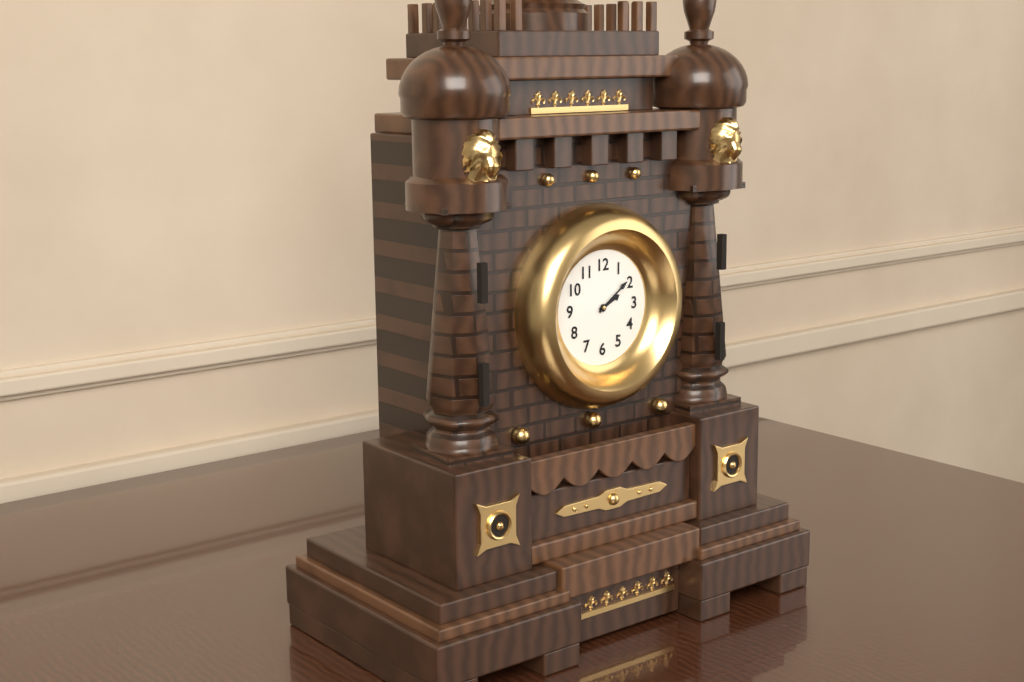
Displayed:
2:09
